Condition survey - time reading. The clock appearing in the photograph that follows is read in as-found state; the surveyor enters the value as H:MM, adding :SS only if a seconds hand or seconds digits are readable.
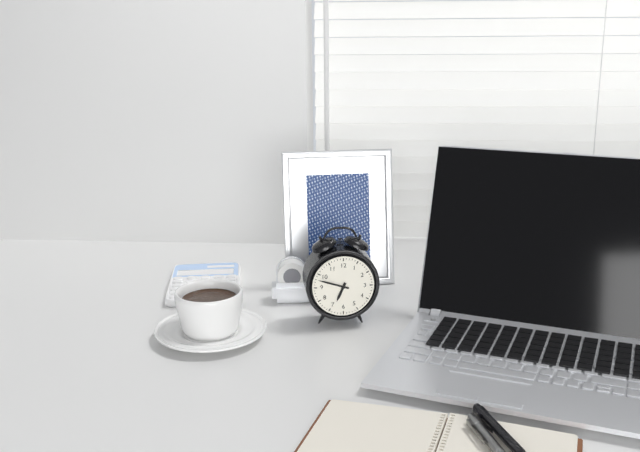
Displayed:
6:48
